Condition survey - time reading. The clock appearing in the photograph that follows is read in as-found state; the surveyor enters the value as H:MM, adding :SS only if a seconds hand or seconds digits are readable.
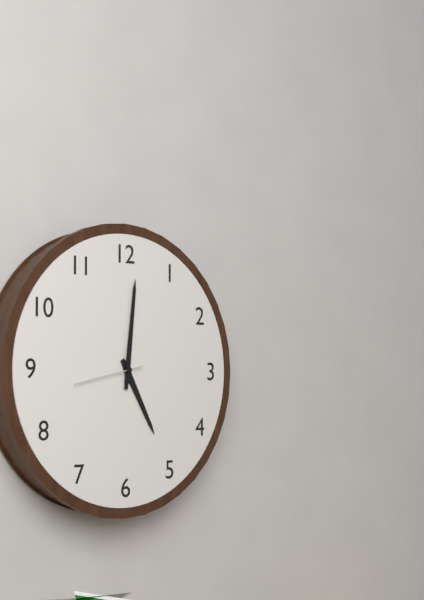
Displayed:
5:01:43
